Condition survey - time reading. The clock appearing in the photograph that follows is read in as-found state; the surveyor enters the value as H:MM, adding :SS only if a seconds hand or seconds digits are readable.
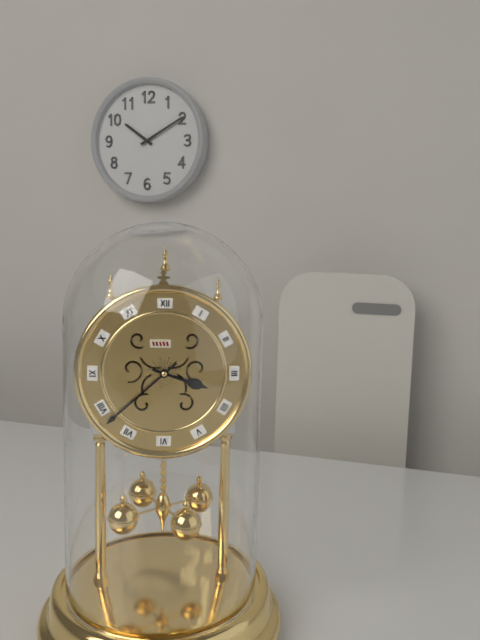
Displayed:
3:38
